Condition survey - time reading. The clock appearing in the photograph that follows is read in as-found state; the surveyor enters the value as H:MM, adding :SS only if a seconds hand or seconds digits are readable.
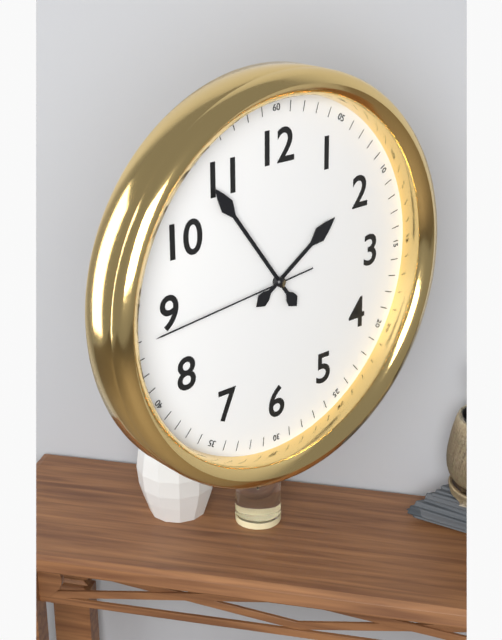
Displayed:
1:54:44
